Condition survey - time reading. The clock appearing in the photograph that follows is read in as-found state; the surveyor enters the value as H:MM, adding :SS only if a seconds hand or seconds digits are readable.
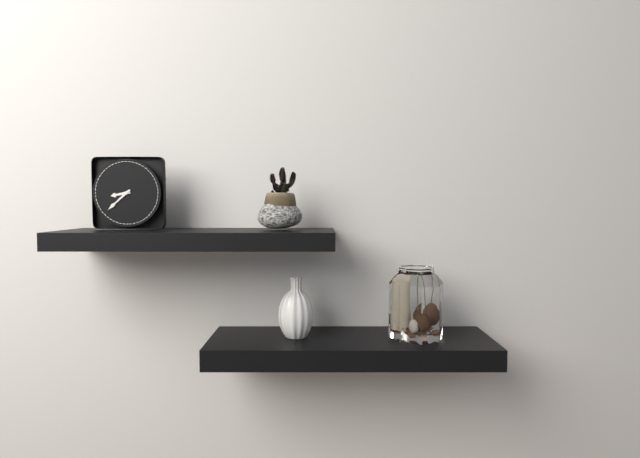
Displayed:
8:38
